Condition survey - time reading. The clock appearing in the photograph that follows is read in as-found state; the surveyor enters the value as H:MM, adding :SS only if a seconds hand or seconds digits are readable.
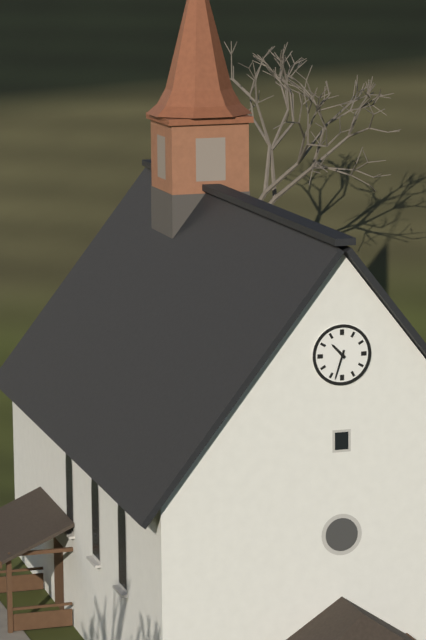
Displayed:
10:33
